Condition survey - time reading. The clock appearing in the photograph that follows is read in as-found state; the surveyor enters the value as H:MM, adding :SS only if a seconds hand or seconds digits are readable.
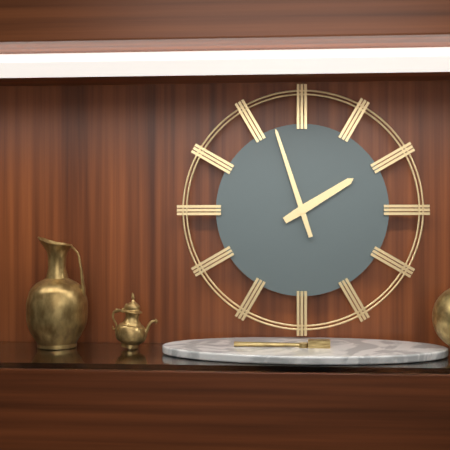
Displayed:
1:57
